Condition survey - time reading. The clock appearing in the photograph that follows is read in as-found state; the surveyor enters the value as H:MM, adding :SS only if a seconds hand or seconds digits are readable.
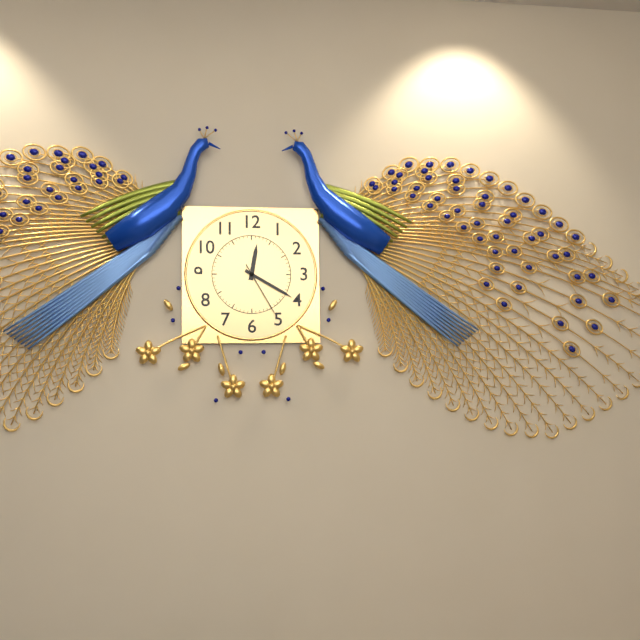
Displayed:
12:20:25
